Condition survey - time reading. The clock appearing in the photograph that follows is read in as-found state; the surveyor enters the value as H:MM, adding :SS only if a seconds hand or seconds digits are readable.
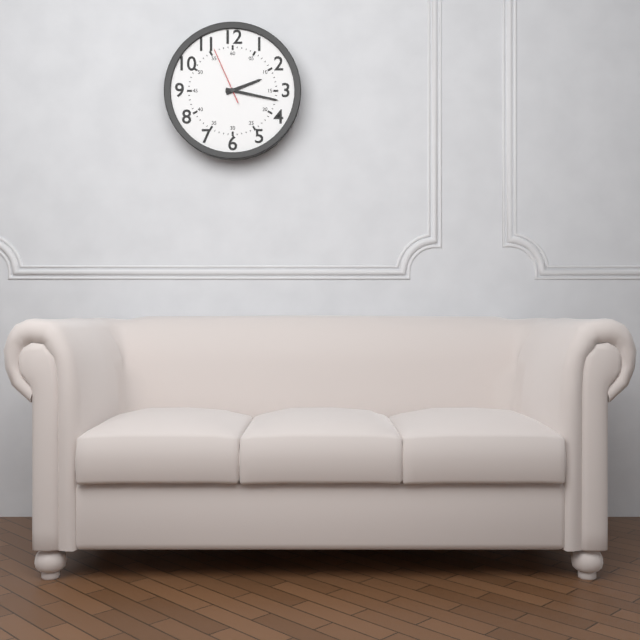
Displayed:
2:17:56
